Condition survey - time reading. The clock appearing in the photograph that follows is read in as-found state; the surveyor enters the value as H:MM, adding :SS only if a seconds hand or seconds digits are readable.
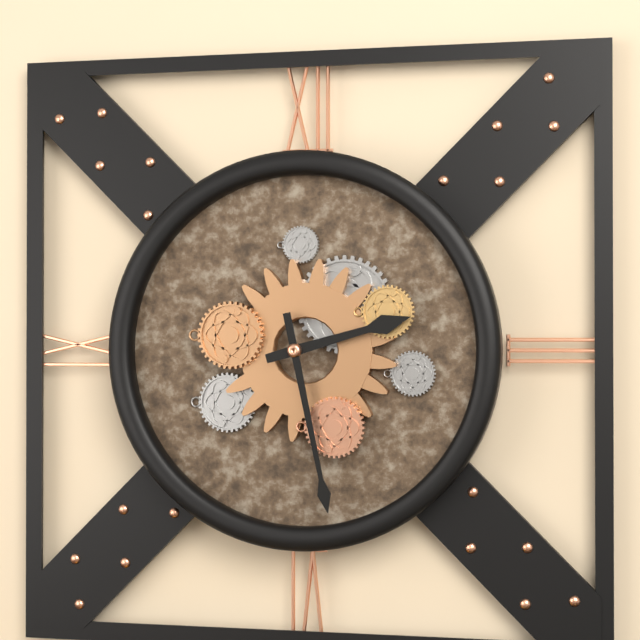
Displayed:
2:28
